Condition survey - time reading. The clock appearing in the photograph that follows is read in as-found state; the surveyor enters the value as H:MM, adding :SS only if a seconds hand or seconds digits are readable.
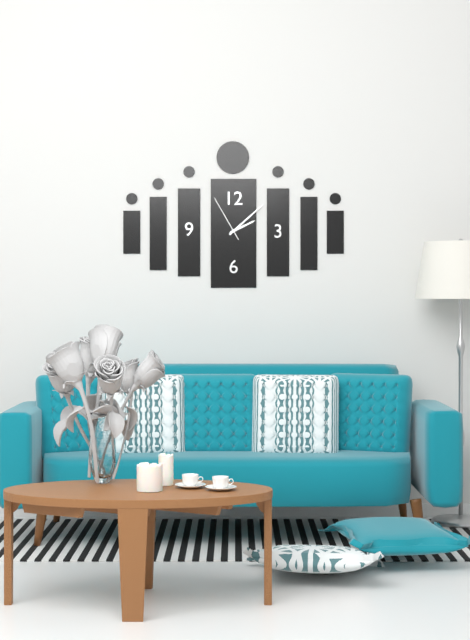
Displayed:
2:08
